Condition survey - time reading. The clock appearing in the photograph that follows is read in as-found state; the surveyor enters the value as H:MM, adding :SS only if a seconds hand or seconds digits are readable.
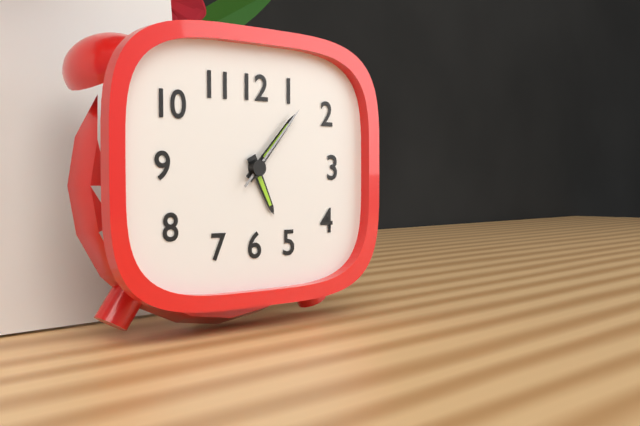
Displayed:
5:07:07
